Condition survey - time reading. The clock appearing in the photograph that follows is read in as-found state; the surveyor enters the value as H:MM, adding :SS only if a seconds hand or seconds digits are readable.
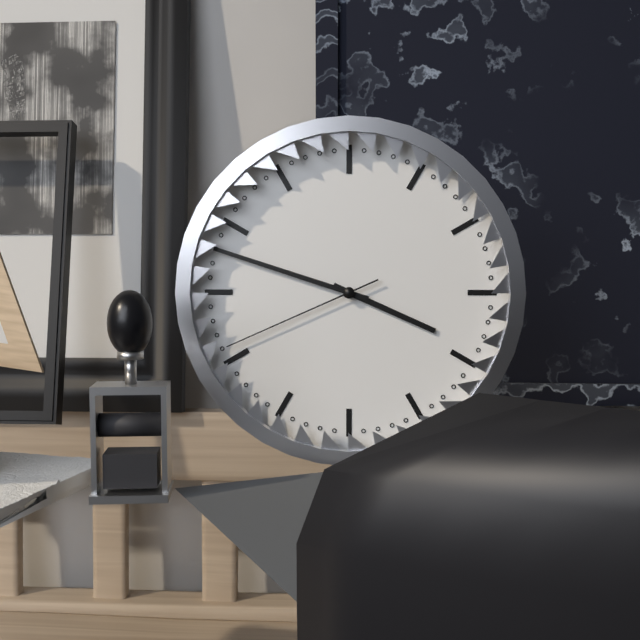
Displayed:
3:48:41
